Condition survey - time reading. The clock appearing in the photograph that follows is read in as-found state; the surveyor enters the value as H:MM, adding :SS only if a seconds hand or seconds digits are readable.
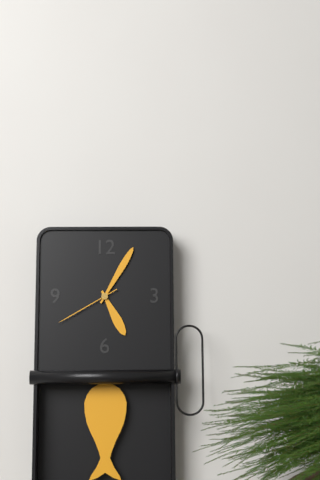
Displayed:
5:05:40
